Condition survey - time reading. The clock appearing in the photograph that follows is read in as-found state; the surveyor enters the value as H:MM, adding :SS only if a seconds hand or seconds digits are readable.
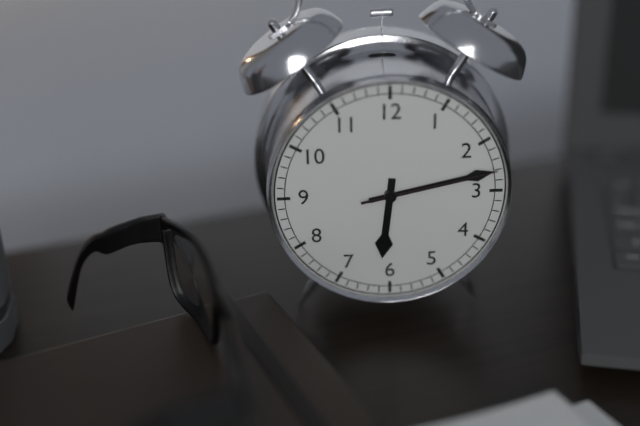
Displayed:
6:13:13
